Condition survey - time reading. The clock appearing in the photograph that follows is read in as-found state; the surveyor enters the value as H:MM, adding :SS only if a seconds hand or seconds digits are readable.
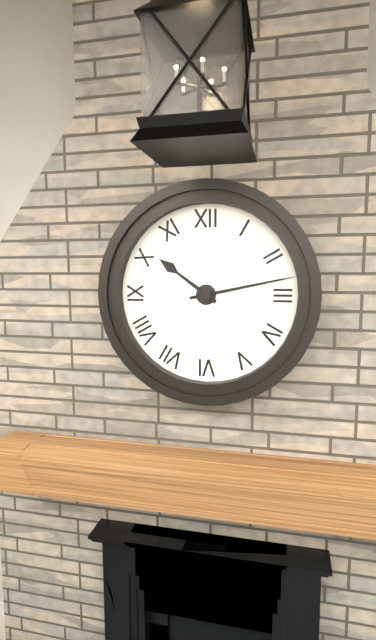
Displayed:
10:13
